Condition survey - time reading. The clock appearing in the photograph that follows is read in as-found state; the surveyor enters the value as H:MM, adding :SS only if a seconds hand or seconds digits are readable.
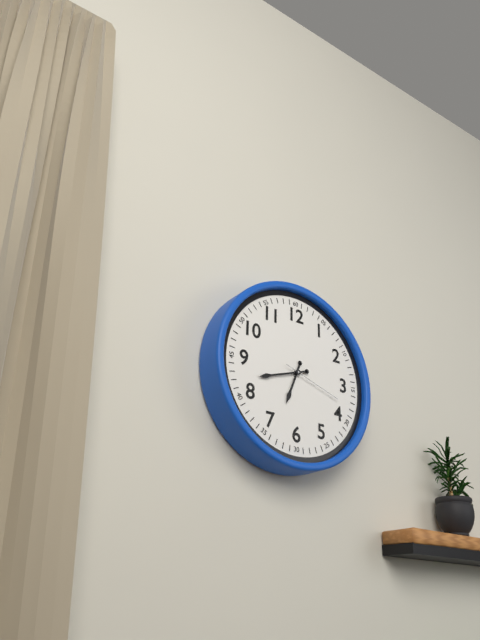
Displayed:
6:42:18
